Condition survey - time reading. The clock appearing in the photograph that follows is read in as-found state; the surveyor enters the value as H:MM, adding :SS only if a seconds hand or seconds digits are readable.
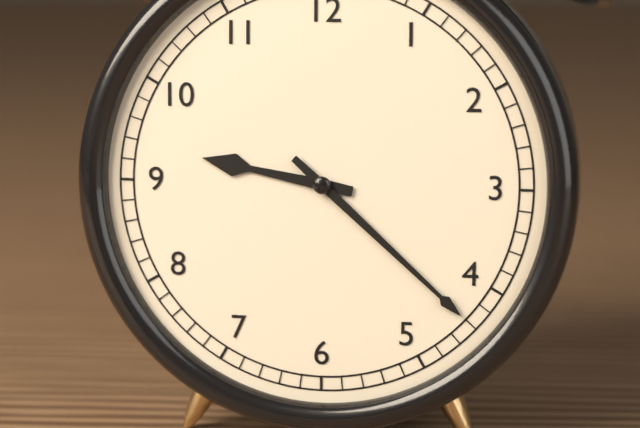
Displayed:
9:22
